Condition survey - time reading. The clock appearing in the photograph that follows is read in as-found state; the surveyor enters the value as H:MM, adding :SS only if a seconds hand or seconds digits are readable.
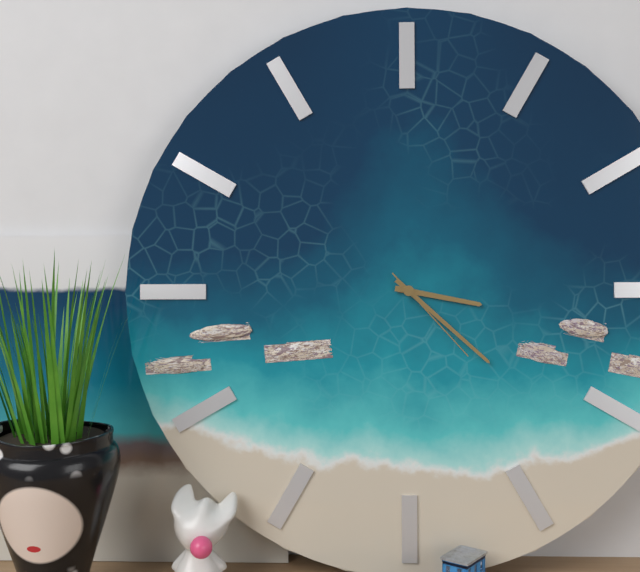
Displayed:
3:22:23
